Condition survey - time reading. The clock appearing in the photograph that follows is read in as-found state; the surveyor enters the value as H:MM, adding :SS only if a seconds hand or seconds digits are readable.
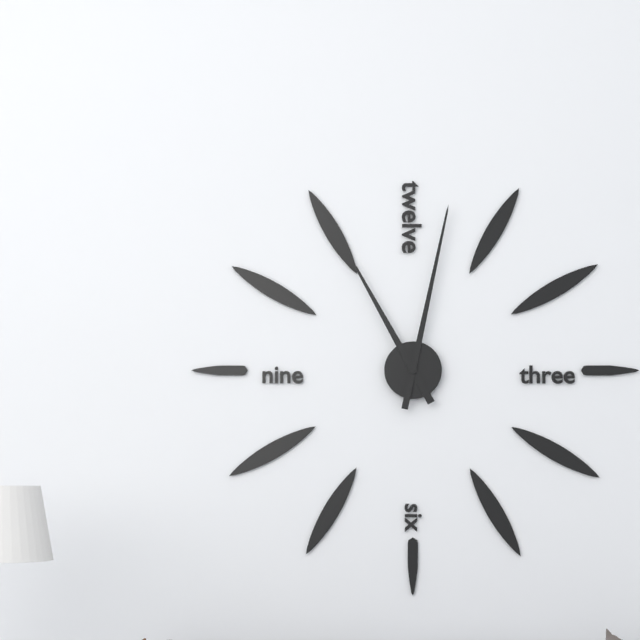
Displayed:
11:02
